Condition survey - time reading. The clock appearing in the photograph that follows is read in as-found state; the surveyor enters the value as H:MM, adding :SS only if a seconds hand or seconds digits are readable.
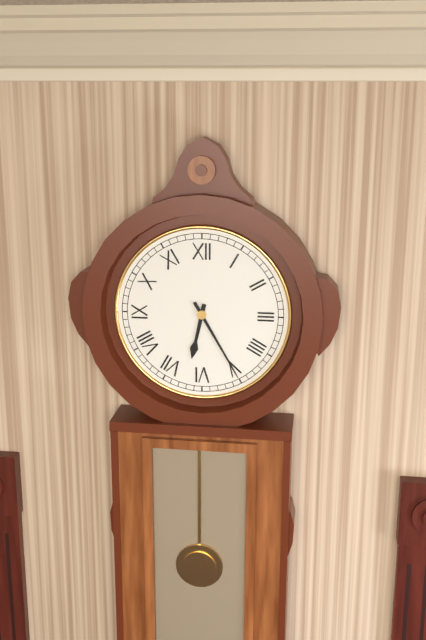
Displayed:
6:25
